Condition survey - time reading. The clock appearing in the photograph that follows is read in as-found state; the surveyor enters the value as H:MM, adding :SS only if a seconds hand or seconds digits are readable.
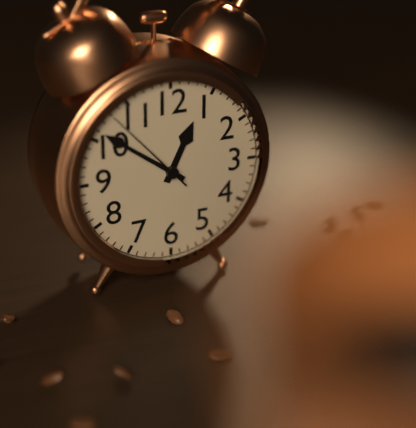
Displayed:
12:51:53
